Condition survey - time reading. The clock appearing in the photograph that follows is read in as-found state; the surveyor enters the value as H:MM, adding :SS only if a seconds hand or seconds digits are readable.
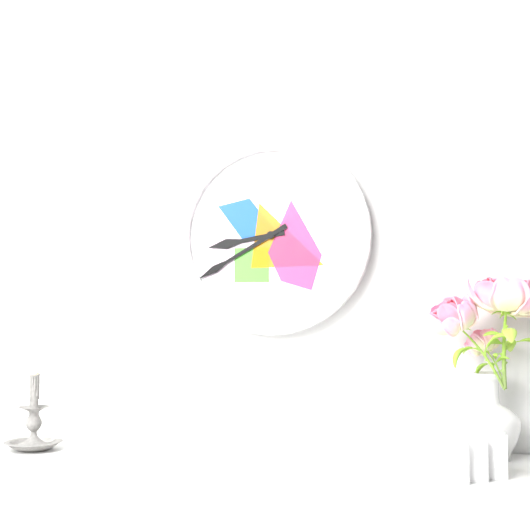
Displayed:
8:40
